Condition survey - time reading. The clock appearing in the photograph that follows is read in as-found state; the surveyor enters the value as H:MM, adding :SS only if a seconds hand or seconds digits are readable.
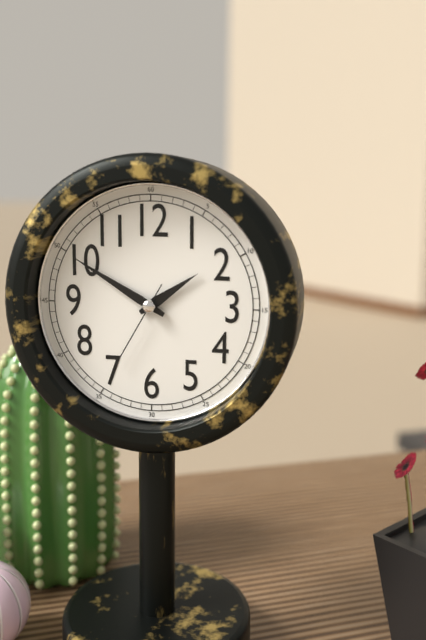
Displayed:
1:50:35
